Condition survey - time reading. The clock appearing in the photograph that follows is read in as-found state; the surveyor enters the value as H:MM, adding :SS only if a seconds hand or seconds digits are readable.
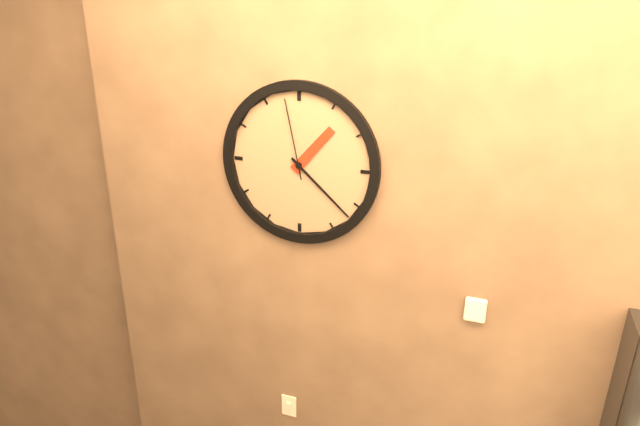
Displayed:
1:22:58
